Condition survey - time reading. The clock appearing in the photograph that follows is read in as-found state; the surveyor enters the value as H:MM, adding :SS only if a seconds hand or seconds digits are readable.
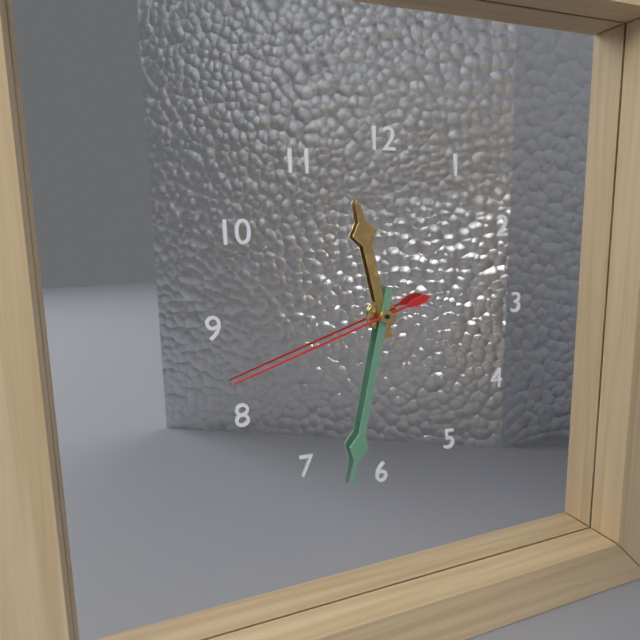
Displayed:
11:32:42
